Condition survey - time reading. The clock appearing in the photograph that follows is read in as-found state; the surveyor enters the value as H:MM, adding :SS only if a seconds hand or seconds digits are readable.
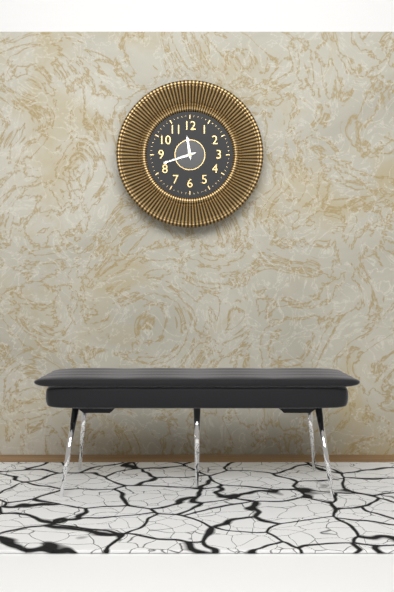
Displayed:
11:42
